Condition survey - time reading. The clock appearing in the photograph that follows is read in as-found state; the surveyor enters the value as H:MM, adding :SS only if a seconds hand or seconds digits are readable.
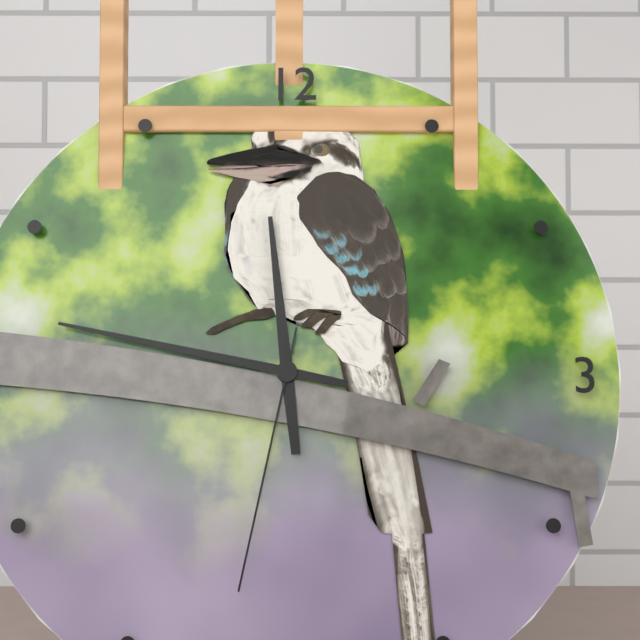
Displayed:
11:47:32
